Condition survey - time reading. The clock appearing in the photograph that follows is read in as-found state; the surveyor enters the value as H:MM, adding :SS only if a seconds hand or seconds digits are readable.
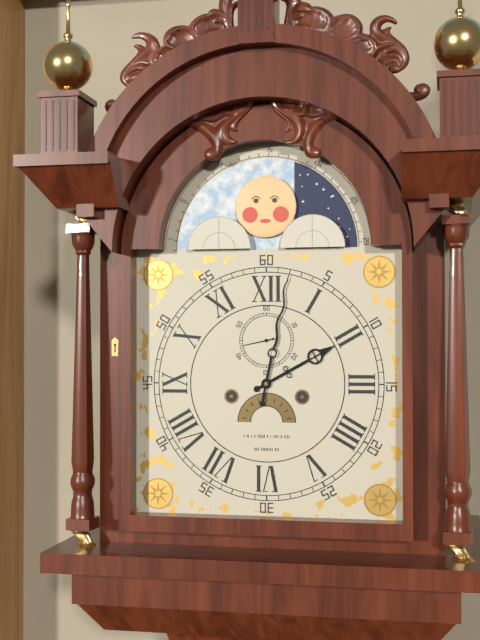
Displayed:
2:02
